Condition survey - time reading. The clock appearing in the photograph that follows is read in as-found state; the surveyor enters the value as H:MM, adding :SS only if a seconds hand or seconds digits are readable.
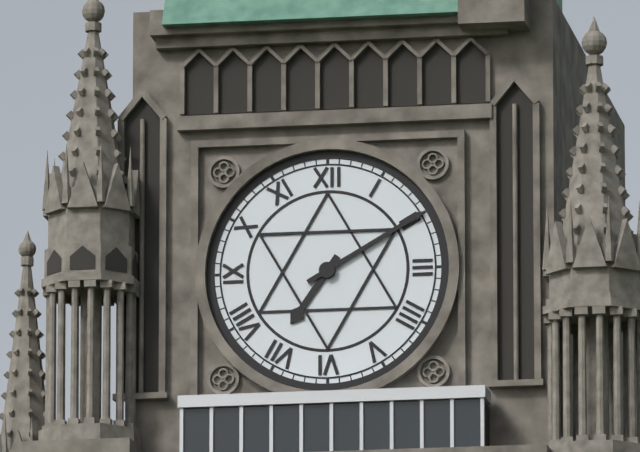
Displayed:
7:10
